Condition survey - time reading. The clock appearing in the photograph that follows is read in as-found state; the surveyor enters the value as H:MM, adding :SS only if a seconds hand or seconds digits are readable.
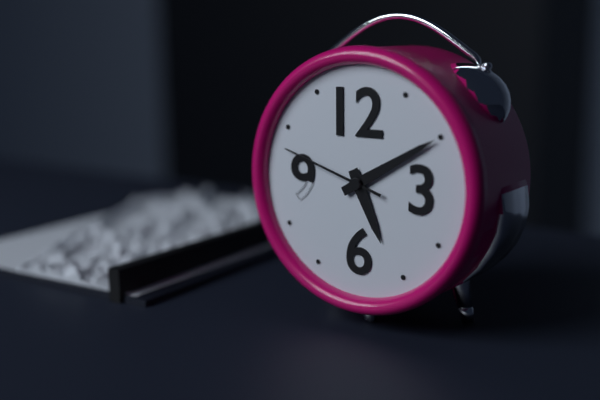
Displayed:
5:10:48
